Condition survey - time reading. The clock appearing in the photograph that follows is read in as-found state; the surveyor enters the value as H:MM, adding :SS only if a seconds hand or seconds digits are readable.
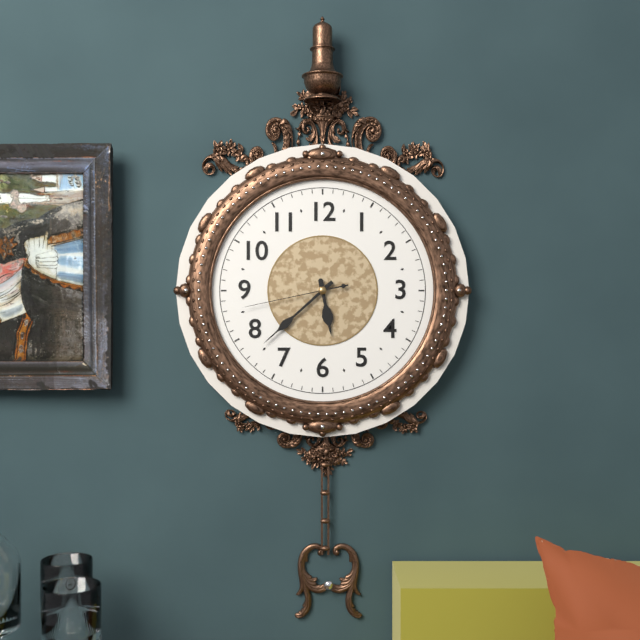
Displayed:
5:38:43
